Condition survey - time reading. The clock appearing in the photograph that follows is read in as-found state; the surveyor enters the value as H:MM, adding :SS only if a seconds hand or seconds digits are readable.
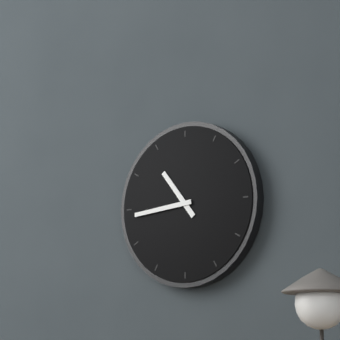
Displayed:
10:44
